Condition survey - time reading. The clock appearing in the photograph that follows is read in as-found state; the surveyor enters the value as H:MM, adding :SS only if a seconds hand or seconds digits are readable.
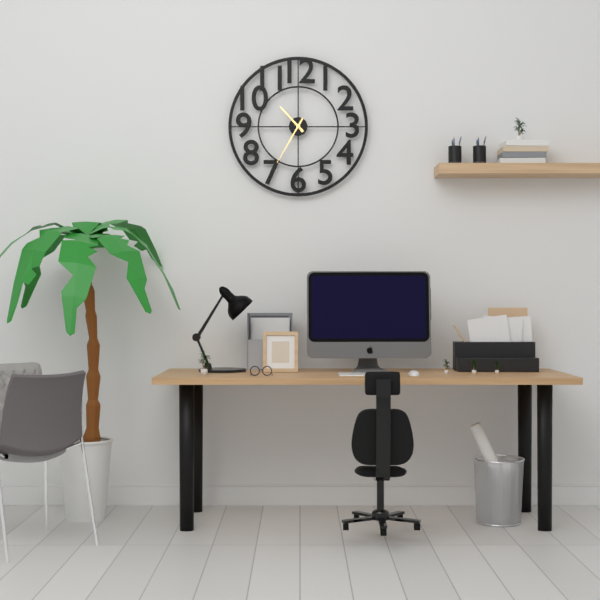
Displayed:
10:35
